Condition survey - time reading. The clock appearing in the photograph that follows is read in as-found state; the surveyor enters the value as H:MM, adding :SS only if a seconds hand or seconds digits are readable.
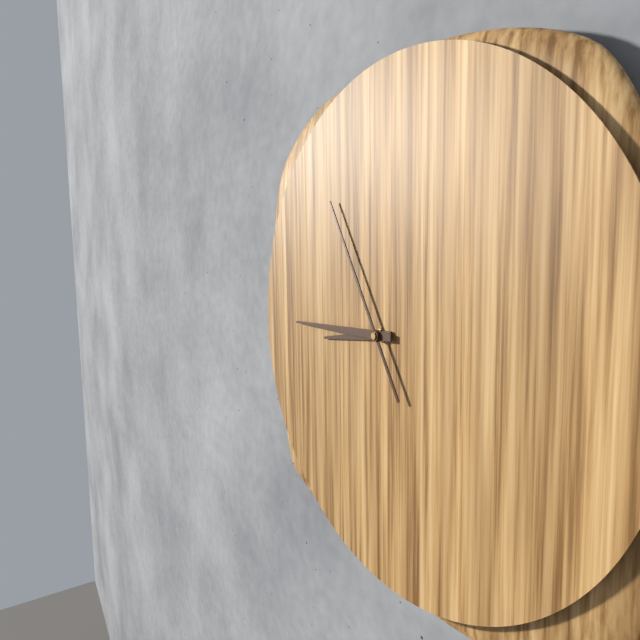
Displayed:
8:45:55
